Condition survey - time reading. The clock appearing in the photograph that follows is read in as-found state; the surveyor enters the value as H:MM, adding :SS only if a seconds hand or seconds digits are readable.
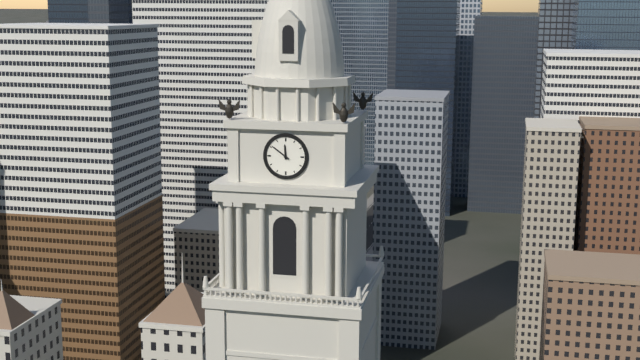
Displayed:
11:51
